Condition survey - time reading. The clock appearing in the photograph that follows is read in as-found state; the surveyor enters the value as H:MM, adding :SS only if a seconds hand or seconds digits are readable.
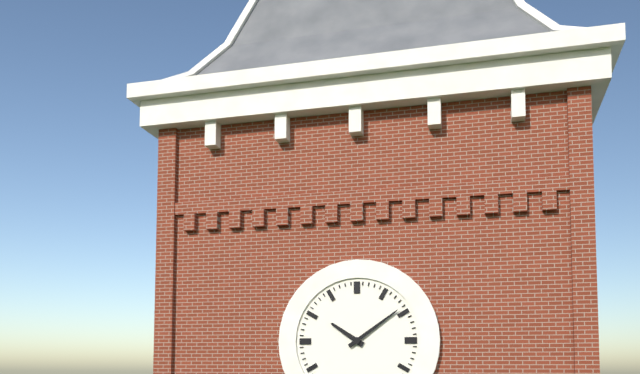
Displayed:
10:09
